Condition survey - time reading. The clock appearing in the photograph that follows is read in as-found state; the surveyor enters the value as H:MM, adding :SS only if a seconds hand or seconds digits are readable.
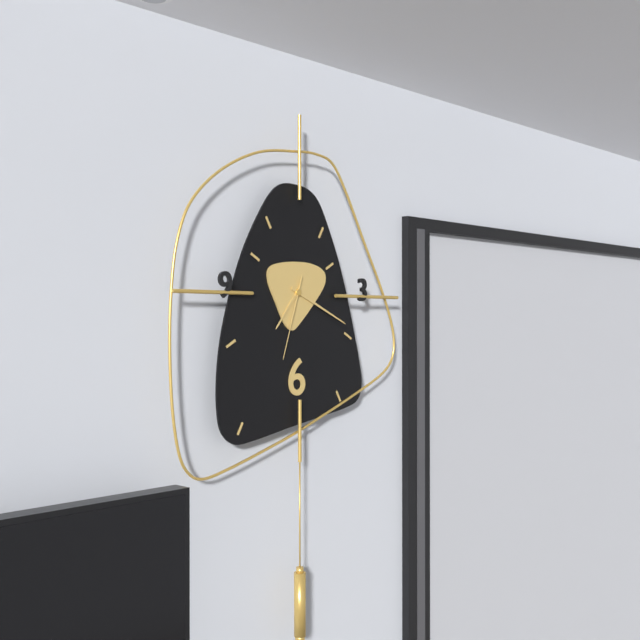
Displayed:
7:19:33
